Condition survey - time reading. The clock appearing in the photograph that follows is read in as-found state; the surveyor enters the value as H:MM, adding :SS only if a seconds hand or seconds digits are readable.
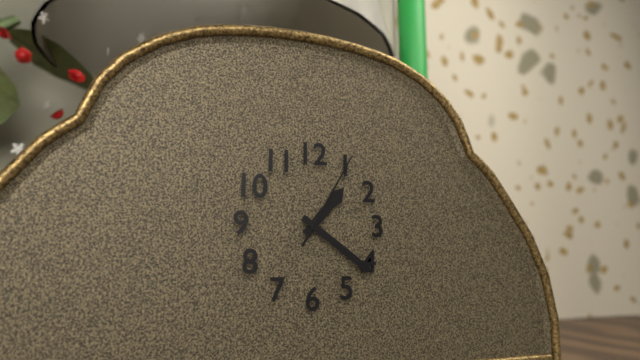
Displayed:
1:21:05
